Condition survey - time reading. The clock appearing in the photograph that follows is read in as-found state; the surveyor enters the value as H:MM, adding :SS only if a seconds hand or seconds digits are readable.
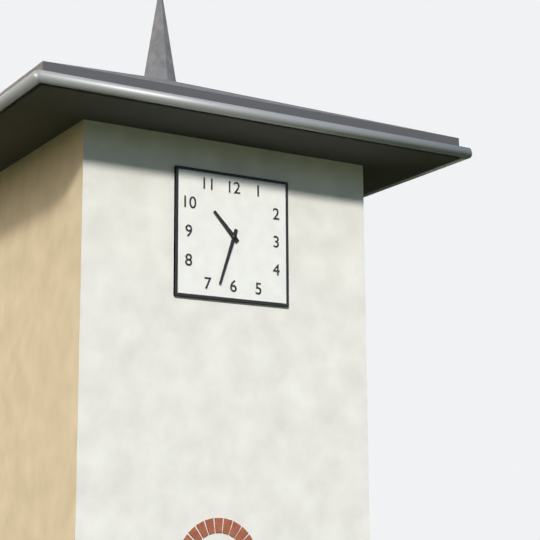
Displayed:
10:33
